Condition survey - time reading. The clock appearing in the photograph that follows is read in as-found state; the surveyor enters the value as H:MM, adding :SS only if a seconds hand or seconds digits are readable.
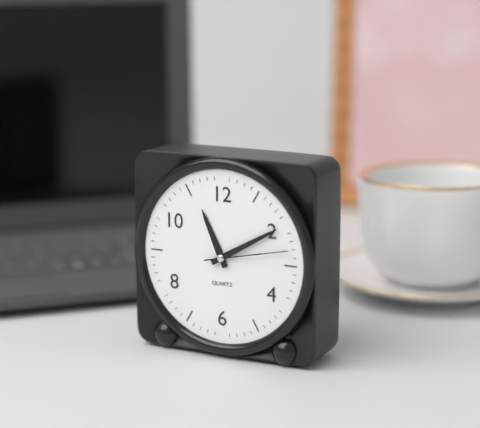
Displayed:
11:10:13
